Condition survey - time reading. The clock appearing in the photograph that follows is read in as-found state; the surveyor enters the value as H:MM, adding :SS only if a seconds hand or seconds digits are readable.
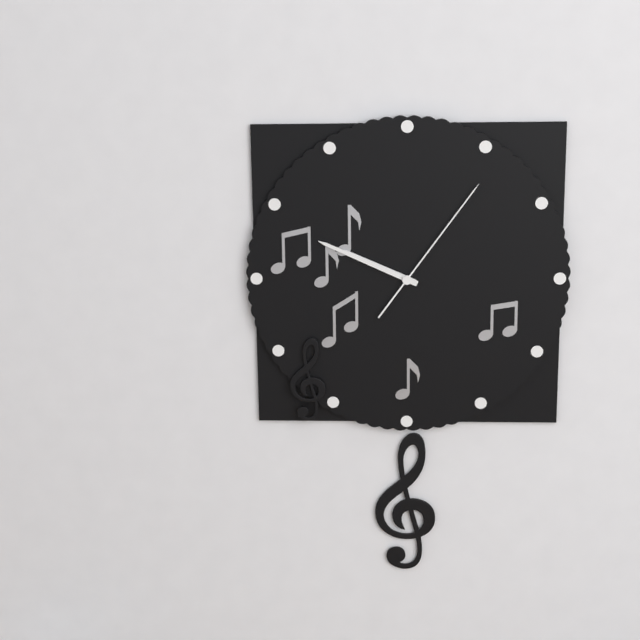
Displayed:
9:49:06
